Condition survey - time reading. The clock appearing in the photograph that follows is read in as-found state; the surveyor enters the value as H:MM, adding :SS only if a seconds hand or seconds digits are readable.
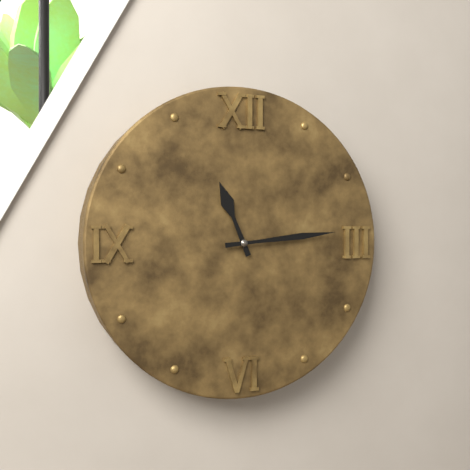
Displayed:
11:14
